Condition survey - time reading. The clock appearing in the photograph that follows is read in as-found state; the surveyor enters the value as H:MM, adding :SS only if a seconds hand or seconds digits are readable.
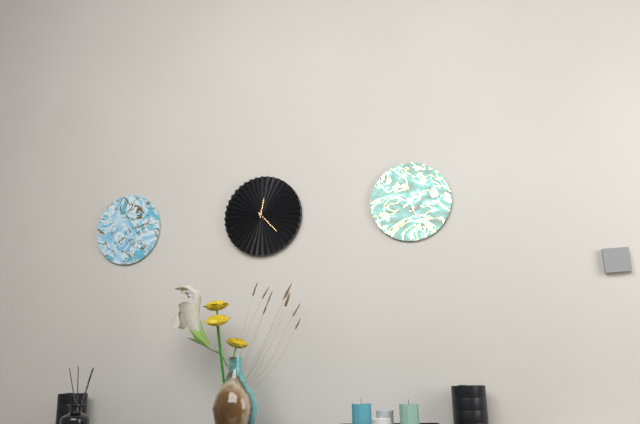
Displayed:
12:23
